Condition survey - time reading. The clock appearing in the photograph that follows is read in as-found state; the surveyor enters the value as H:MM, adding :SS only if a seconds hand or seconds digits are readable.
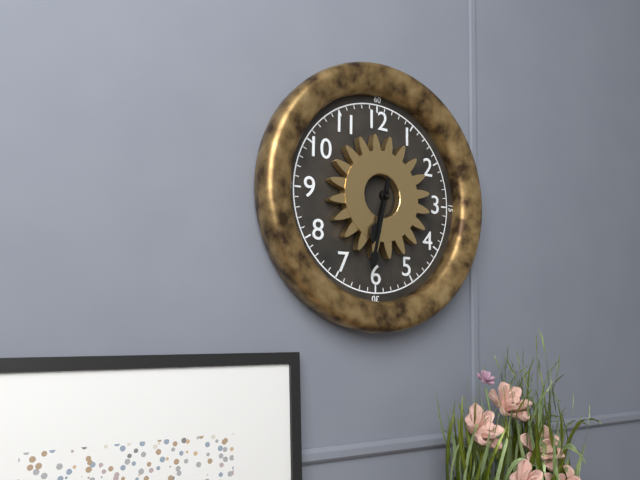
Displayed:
6:32
